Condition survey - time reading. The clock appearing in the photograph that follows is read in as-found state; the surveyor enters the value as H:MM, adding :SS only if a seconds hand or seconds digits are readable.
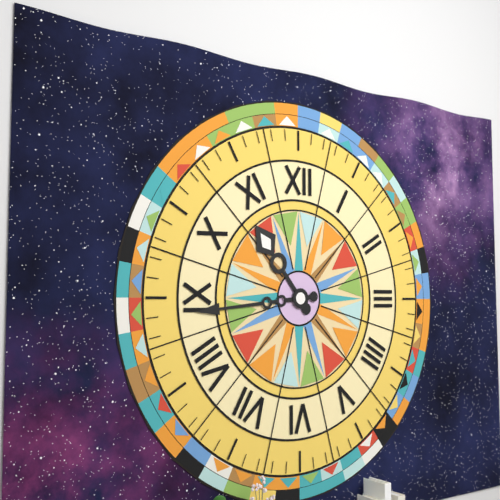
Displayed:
10:44
